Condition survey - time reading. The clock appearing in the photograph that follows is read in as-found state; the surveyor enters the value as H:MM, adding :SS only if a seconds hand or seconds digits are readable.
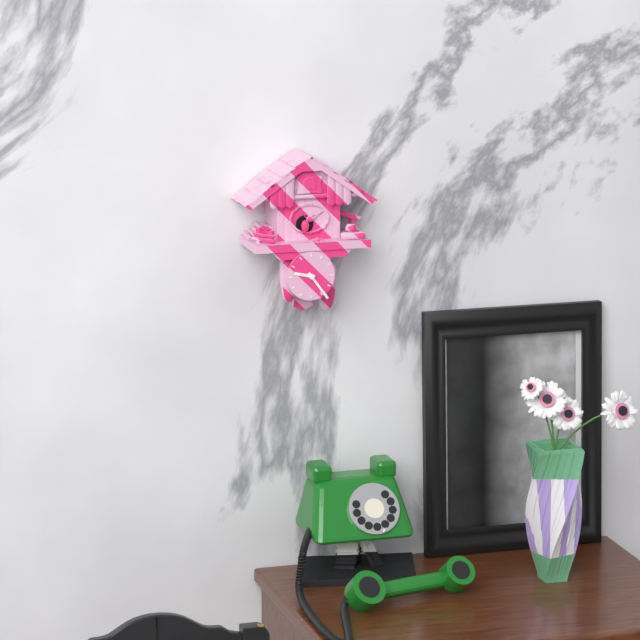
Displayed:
9:24
